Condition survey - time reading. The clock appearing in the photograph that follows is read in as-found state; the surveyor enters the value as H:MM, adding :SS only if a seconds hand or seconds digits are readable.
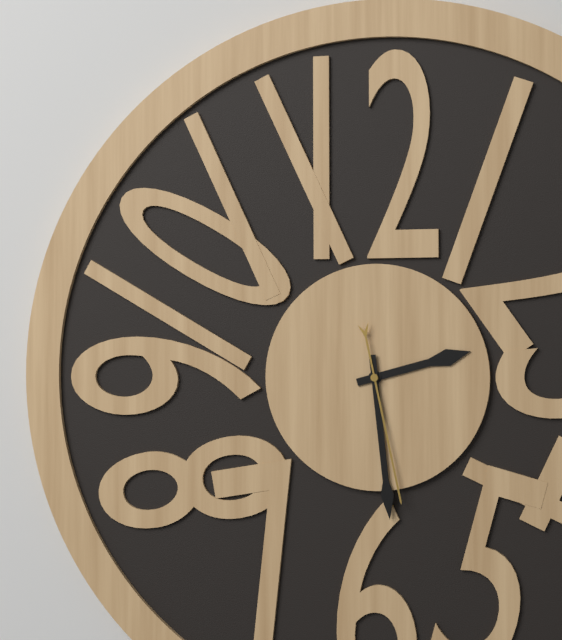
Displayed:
2:29:28
